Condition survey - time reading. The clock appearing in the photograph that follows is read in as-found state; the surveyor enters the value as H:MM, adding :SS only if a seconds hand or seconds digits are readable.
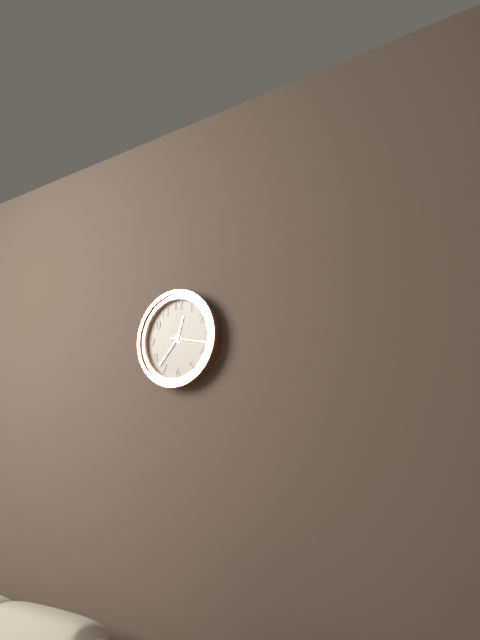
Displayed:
12:37
